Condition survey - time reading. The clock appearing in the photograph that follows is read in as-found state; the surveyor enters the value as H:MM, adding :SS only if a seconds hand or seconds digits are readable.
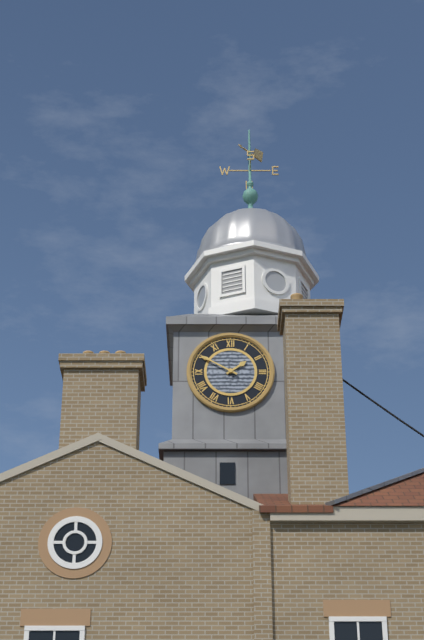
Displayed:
1:50
